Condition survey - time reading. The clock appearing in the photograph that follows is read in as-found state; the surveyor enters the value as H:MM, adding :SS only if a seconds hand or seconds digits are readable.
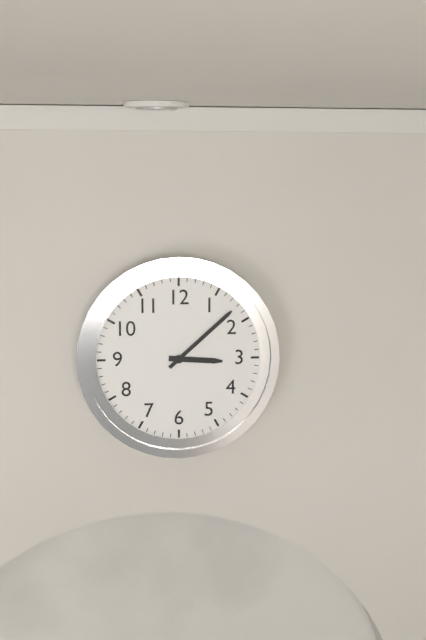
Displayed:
3:08
